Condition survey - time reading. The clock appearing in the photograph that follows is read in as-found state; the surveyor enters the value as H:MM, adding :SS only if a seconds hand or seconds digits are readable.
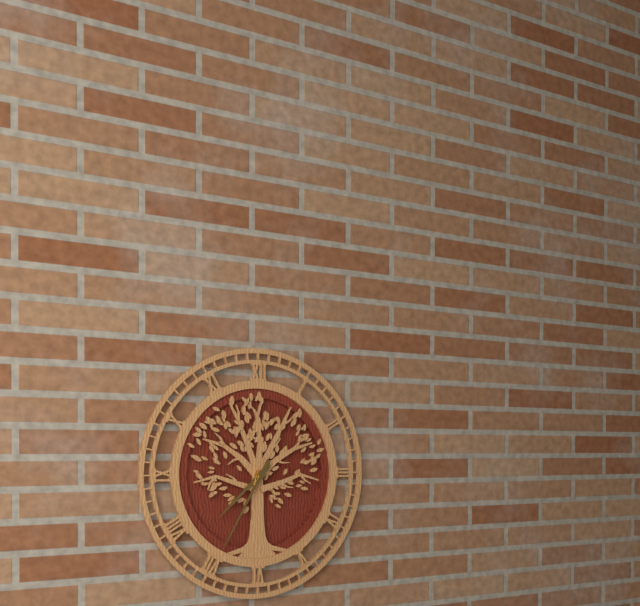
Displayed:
7:35
